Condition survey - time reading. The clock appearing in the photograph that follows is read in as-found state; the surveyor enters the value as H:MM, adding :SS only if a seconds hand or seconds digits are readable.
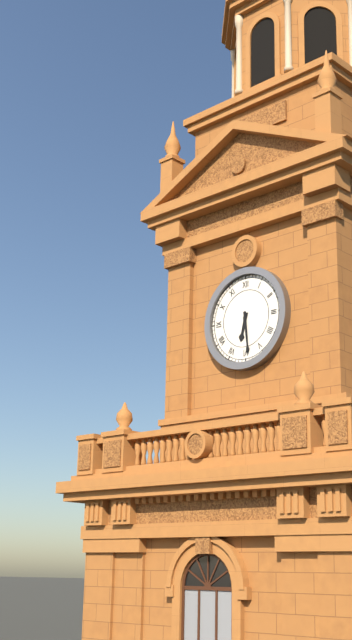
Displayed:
6:29
